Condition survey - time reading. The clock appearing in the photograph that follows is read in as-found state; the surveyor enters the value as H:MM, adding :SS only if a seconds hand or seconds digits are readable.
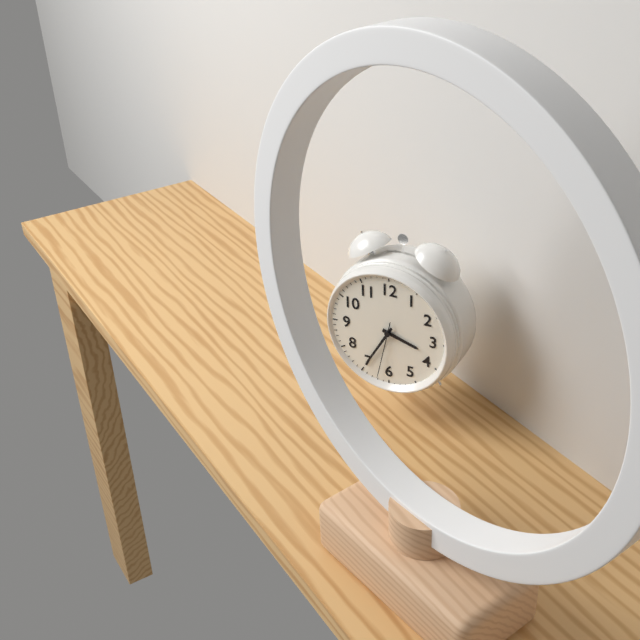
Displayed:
3:35:32
